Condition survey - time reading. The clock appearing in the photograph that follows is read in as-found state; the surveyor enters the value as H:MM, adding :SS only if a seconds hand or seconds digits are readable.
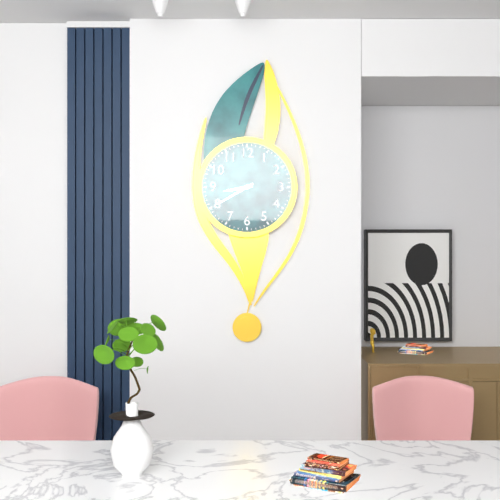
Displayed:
8:40
